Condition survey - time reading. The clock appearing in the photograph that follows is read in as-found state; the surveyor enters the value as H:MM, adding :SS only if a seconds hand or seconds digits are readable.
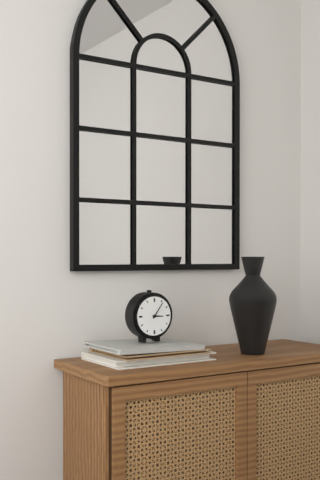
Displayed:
3:06
